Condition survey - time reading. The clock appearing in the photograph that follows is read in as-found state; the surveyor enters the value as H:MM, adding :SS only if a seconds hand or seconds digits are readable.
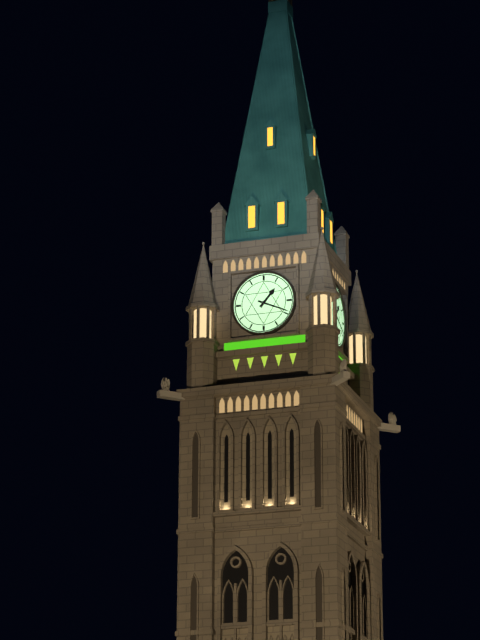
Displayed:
1:19
